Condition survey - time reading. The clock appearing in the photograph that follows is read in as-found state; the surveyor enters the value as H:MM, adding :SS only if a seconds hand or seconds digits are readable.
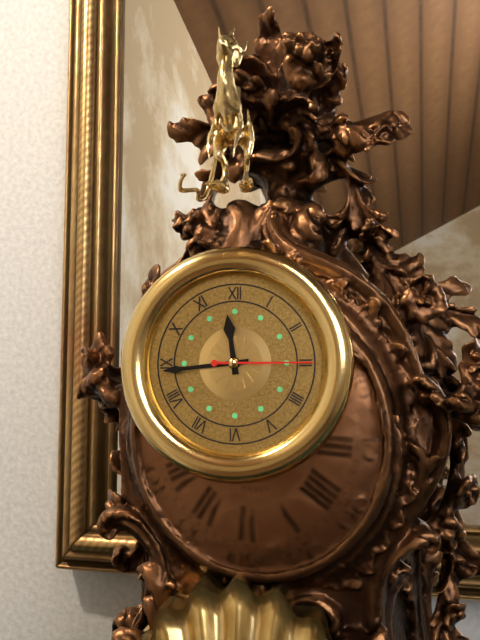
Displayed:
11:44:15
